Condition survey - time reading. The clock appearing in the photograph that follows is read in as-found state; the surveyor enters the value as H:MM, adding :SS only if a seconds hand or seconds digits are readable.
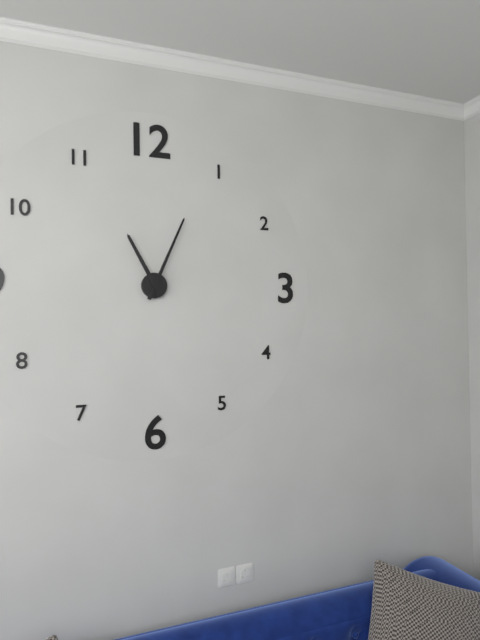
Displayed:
11:04
